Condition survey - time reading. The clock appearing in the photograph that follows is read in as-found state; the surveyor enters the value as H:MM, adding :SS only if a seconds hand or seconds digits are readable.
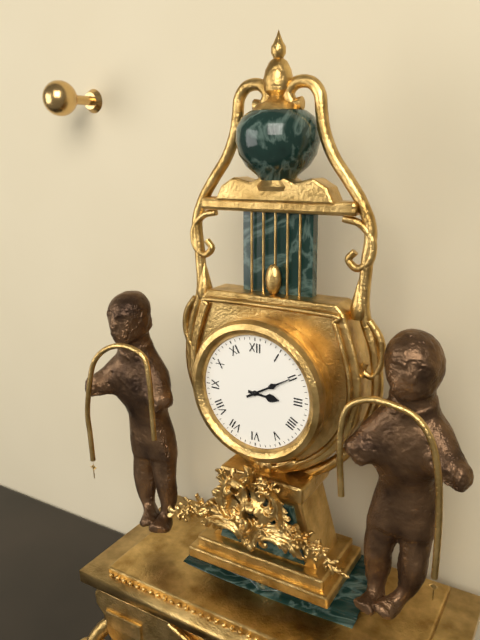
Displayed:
3:10
